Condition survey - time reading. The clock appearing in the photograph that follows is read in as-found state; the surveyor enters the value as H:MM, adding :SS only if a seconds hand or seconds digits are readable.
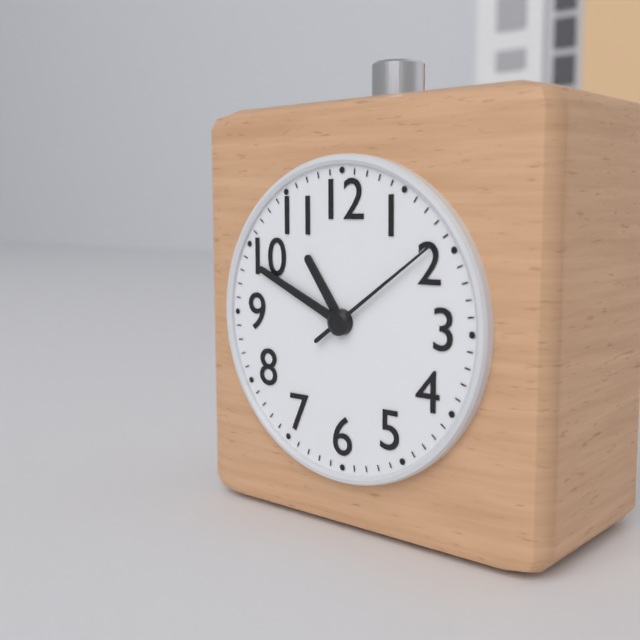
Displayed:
10:49:09
